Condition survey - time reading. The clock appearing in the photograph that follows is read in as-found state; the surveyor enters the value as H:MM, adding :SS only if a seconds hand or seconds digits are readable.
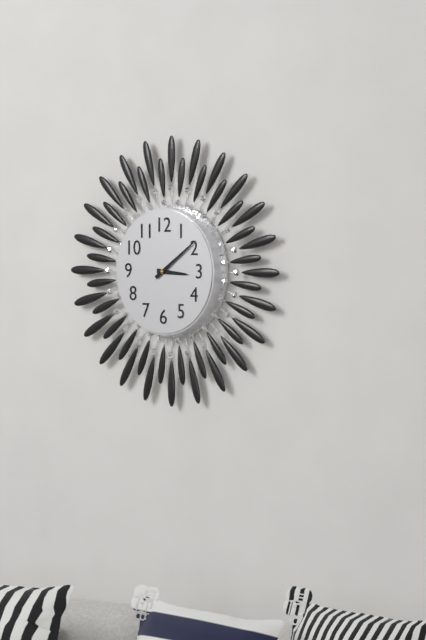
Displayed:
3:09
